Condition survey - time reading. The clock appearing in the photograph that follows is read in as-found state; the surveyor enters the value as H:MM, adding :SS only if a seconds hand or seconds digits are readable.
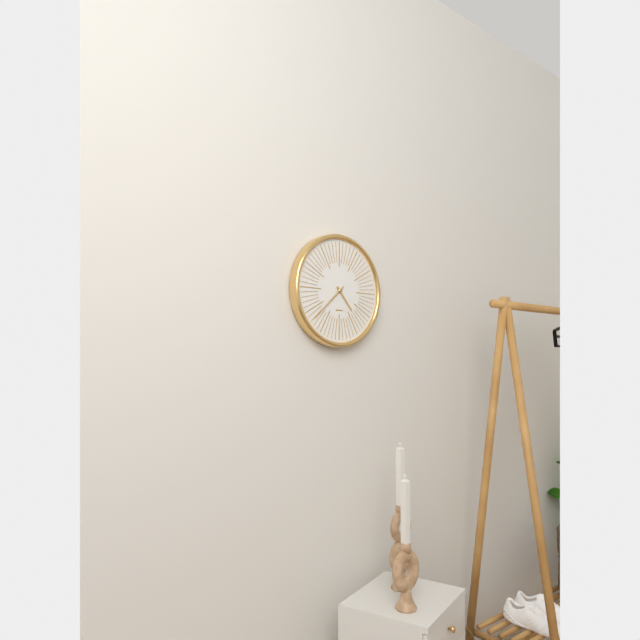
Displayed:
4:38
